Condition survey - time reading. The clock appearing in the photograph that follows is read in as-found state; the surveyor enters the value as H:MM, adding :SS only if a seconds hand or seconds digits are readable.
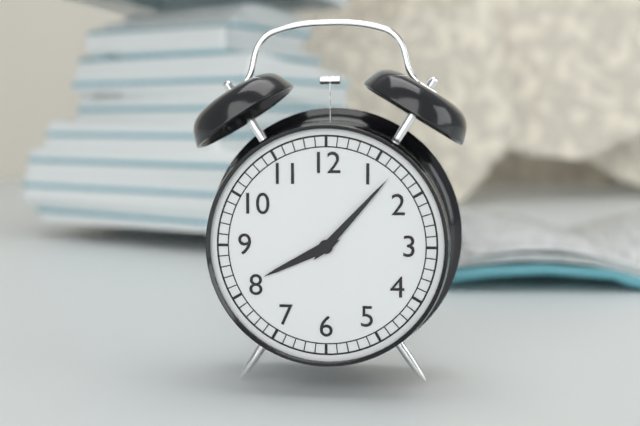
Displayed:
8:07
